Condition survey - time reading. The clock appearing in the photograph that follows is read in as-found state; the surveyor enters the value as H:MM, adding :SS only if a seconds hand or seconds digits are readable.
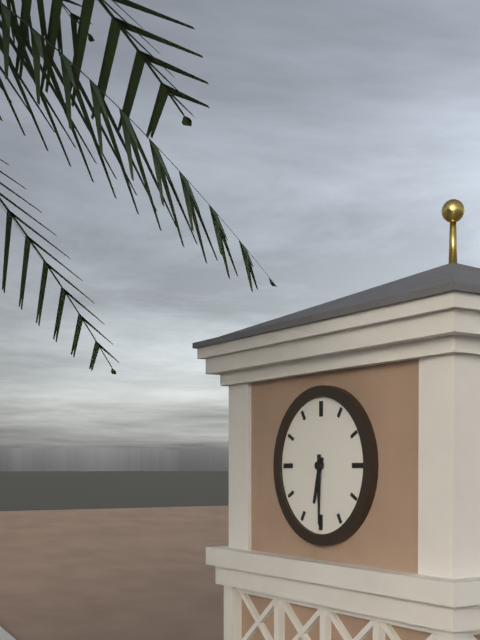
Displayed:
6:30
